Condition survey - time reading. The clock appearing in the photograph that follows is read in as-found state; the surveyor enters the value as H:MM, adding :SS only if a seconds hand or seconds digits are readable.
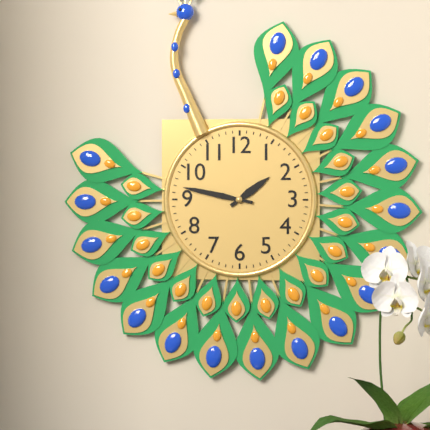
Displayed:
1:47
